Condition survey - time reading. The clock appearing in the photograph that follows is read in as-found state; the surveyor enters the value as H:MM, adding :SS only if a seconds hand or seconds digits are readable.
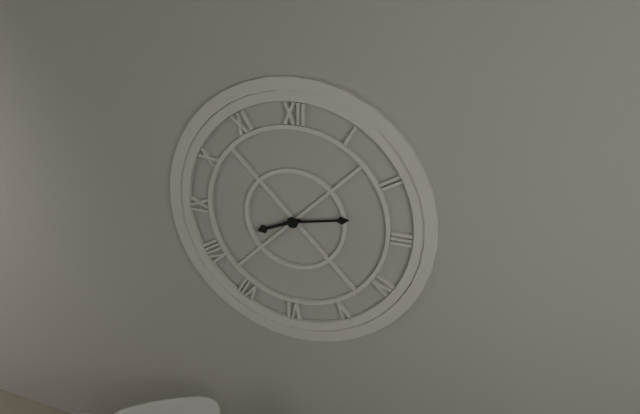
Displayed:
8:13
